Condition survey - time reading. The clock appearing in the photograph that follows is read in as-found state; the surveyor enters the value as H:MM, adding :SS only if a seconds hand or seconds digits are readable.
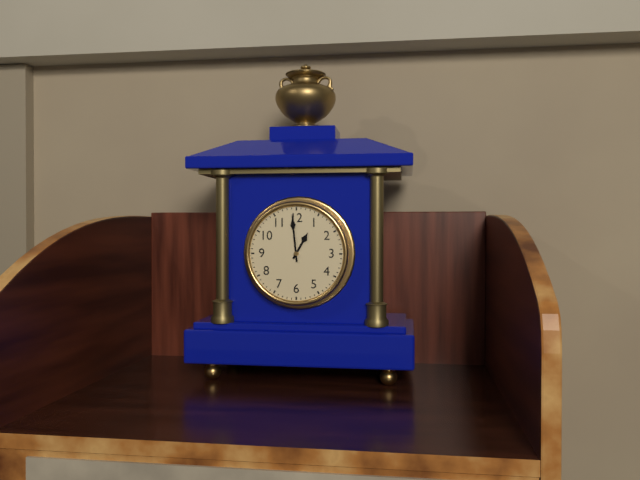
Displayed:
12:59
